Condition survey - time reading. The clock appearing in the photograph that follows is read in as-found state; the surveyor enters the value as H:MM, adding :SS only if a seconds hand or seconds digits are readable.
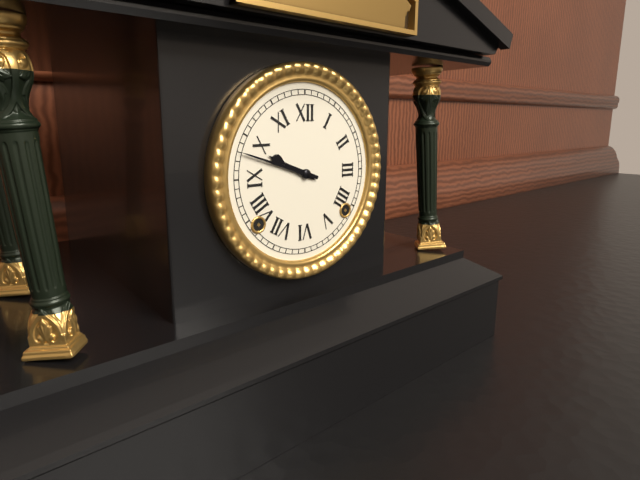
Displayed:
9:48
